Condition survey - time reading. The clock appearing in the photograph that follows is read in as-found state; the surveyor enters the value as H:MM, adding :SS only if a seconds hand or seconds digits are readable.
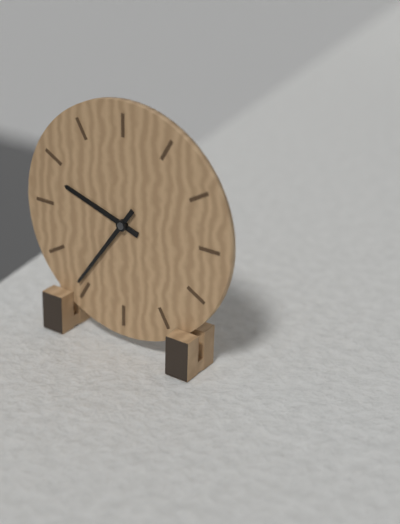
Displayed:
9:36
